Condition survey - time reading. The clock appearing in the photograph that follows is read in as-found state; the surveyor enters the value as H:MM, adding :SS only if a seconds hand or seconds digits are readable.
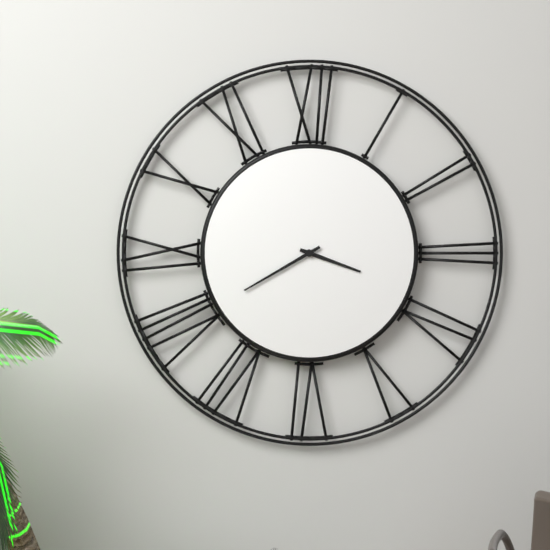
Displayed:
3:40
